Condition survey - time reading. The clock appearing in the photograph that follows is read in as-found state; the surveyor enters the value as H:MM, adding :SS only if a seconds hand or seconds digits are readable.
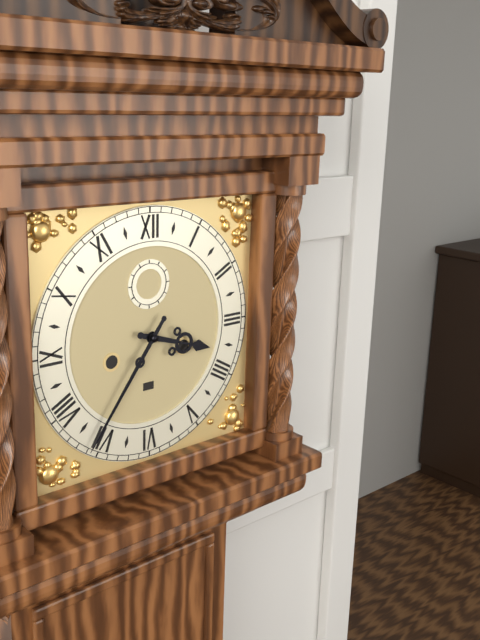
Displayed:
3:36
